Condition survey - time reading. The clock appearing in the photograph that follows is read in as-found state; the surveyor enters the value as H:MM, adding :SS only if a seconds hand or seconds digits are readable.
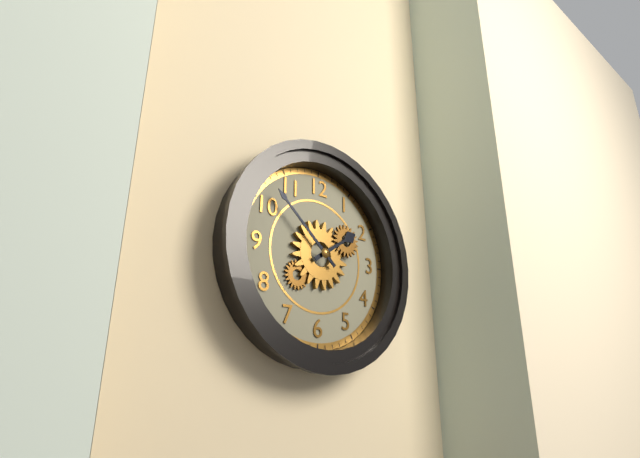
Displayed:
1:52
